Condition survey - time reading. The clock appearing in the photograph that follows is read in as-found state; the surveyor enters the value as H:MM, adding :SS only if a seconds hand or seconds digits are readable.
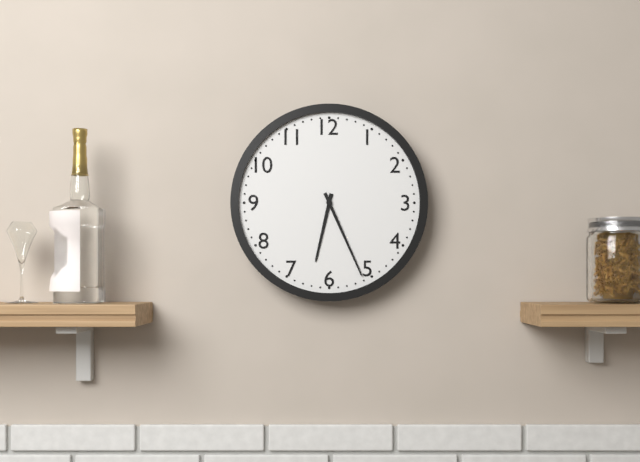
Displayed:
6:26
